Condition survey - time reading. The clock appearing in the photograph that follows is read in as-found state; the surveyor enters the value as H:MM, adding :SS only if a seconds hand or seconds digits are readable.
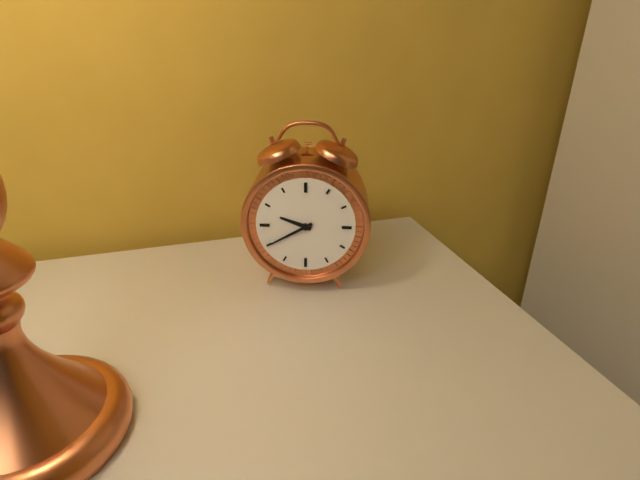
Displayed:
9:40
